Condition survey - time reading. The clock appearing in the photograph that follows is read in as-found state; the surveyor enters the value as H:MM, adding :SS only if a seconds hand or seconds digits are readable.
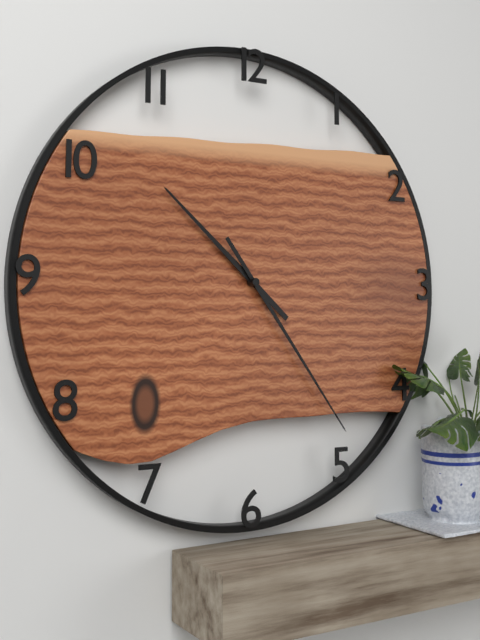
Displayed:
10:24
